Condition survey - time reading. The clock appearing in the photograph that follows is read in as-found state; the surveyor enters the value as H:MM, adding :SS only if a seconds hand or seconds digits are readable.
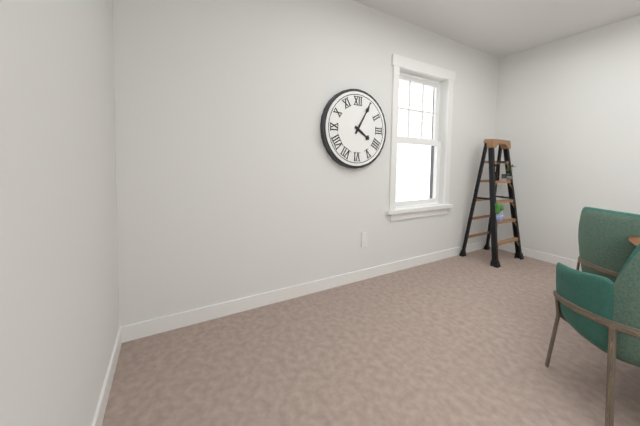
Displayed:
4:05
